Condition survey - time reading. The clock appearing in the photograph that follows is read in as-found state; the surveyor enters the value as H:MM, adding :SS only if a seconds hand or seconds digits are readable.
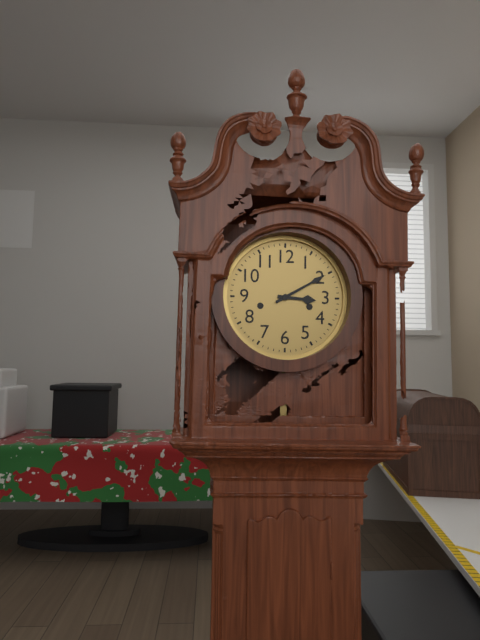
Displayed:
3:10
